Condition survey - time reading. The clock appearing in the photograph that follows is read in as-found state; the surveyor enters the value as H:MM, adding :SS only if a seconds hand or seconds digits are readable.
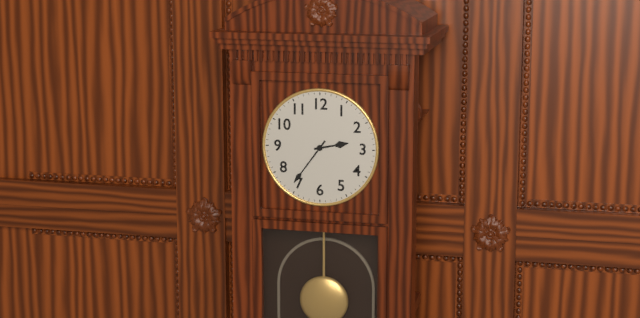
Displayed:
2:36
